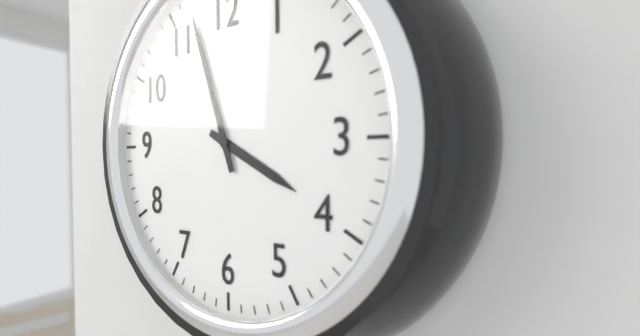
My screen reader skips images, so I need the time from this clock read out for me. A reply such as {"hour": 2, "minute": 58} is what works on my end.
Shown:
{"hour": 3, "minute": 57}
